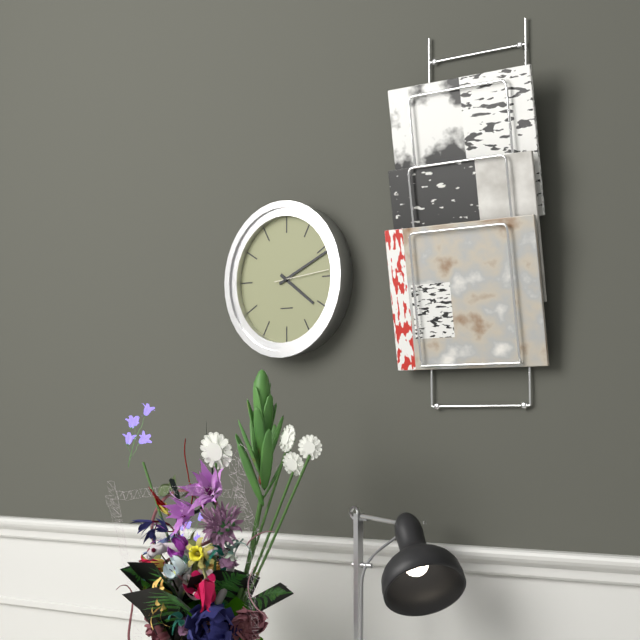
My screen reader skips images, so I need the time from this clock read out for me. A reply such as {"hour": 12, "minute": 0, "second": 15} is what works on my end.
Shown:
{"hour": 4, "minute": 11, "second": 14}
